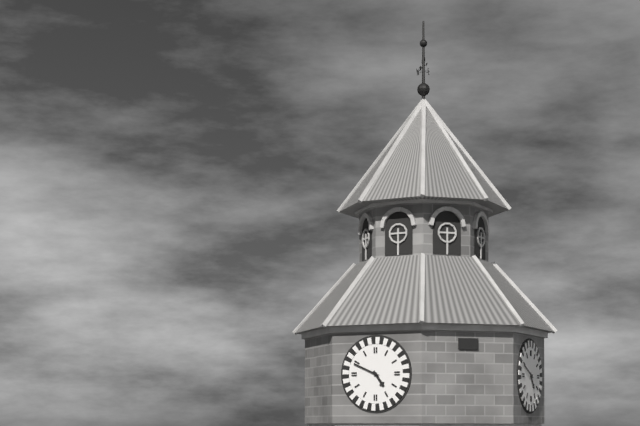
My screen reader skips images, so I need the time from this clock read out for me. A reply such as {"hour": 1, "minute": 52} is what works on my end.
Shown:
{"hour": 4, "minute": 49}
